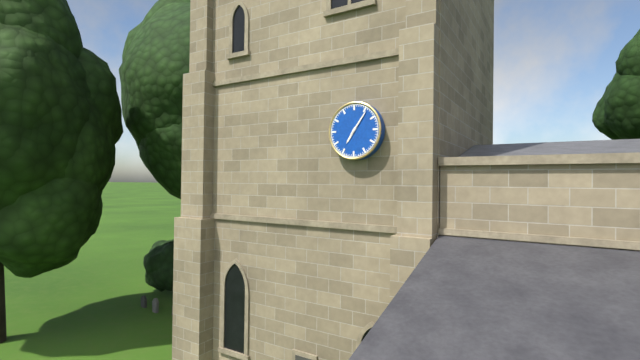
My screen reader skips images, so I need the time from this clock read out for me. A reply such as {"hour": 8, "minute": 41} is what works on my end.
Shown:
{"hour": 7, "minute": 6}
